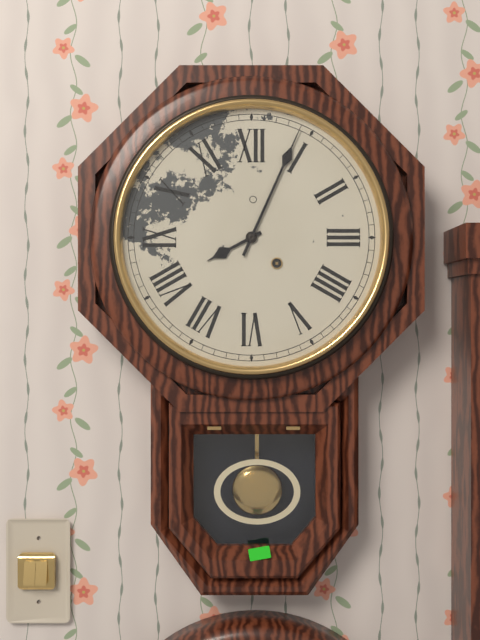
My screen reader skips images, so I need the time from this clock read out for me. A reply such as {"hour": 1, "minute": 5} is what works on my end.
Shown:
{"hour": 8, "minute": 4}
